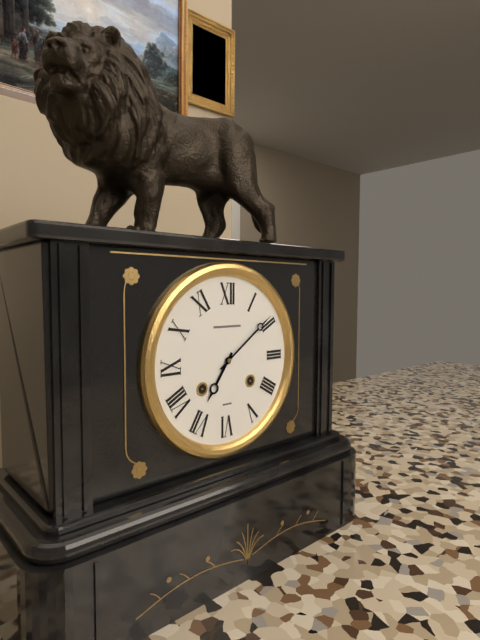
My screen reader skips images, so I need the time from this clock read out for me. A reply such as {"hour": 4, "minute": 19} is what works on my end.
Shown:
{"hour": 7, "minute": 9}
